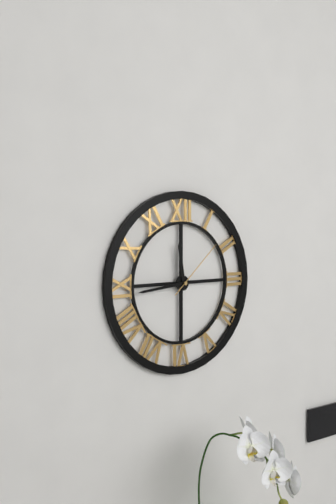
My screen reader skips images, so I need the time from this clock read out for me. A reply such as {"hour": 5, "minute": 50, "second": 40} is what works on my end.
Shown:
{"hour": 11, "minute": 44, "second": 8}
